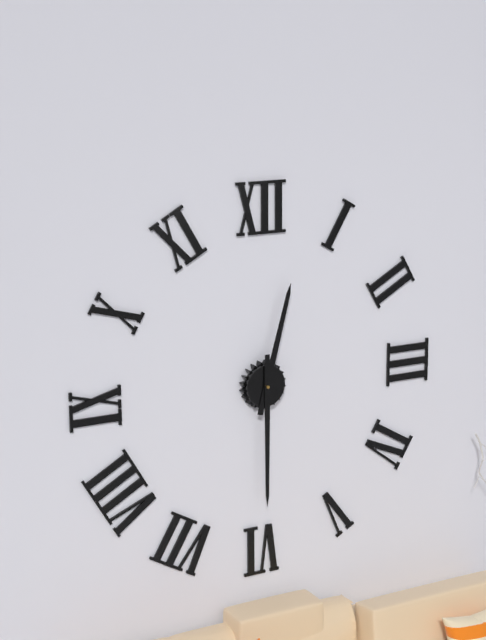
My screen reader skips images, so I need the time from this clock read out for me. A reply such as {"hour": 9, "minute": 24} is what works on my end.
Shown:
{"hour": 12, "minute": 30}
